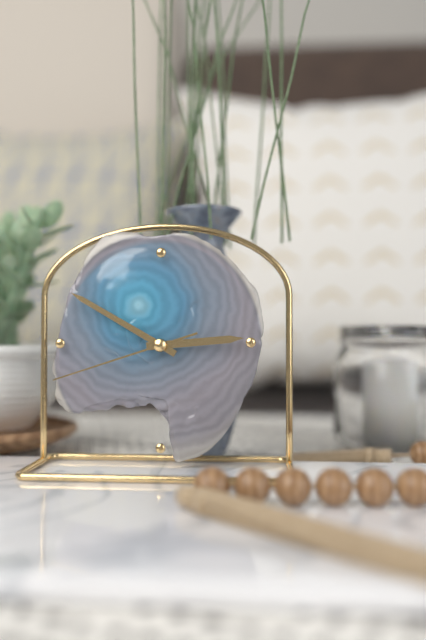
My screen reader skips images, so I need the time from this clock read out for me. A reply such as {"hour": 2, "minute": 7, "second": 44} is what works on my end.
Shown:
{"hour": 2, "minute": 50, "second": 42}
